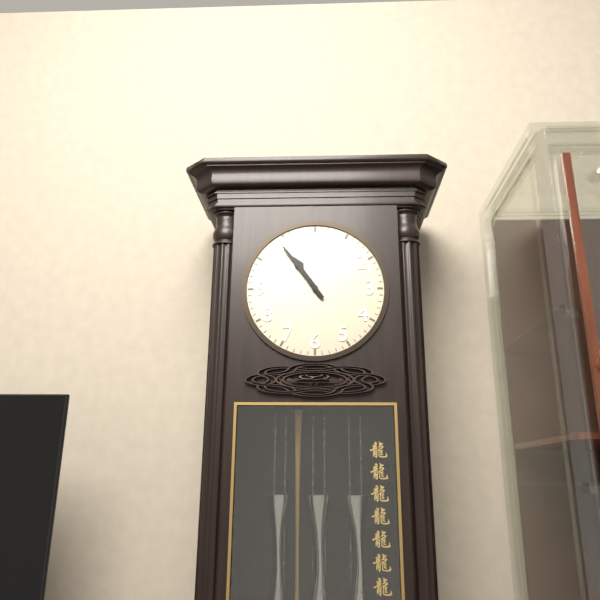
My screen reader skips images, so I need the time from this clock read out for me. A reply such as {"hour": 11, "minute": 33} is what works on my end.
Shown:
{"hour": 10, "minute": 54}
